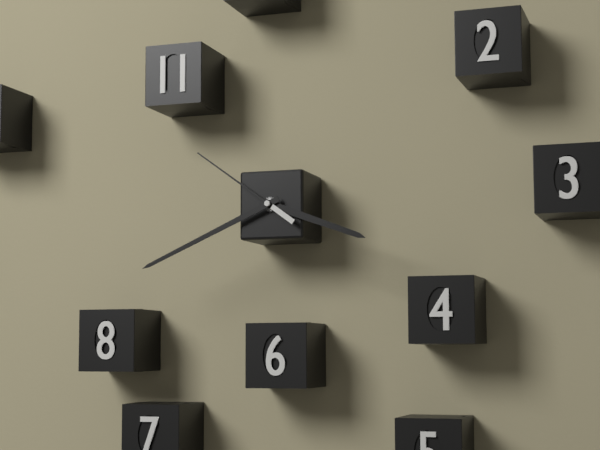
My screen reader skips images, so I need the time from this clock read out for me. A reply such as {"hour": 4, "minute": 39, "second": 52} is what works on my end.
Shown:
{"hour": 3, "minute": 41, "second": 51}
